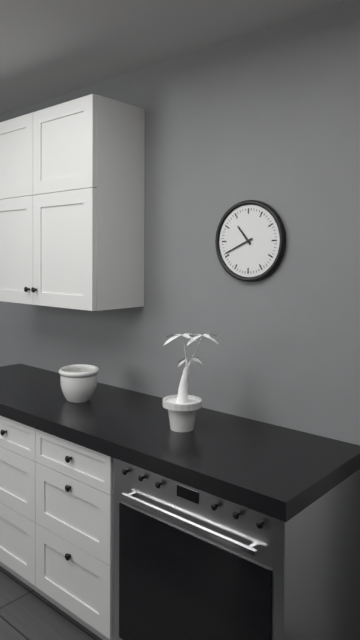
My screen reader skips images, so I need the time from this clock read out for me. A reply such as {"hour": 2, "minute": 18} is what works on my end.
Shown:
{"hour": 10, "minute": 41}
